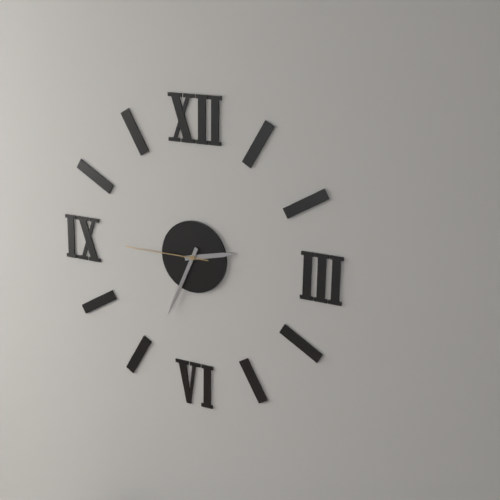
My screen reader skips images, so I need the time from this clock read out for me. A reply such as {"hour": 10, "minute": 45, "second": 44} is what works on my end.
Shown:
{"hour": 2, "minute": 34, "second": 45}
